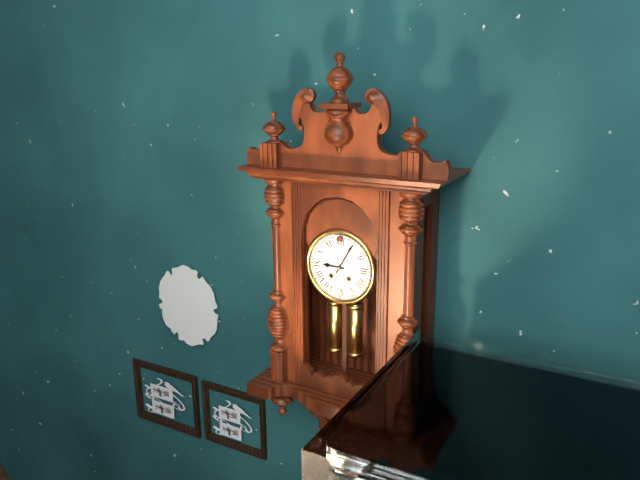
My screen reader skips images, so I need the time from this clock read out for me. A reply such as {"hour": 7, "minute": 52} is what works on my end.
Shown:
{"hour": 9, "minute": 5}
